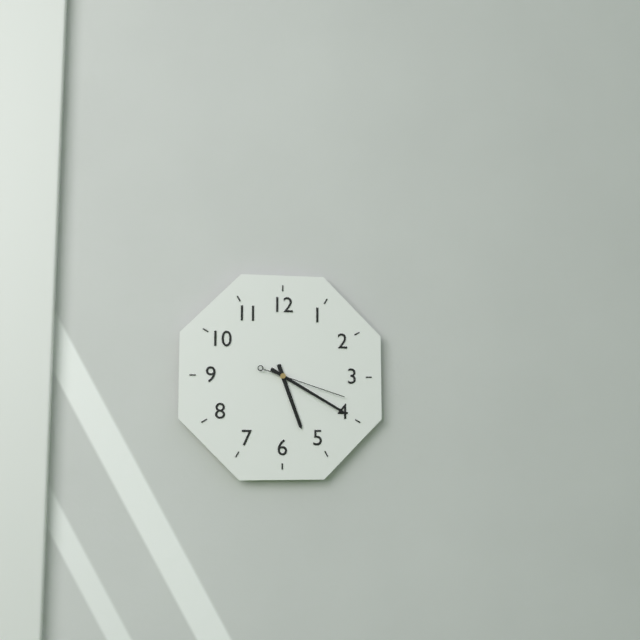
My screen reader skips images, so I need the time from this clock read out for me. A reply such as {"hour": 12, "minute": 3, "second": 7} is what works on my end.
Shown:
{"hour": 5, "minute": 20, "second": 18}
